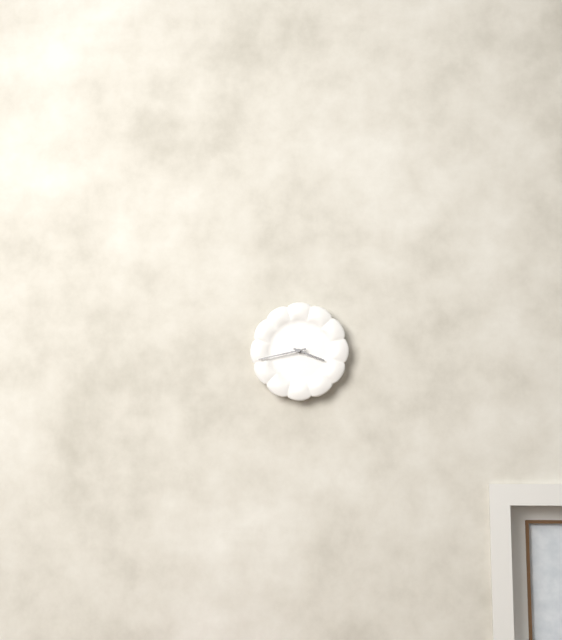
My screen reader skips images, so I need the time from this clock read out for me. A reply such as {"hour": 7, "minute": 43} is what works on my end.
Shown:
{"hour": 3, "minute": 43}
